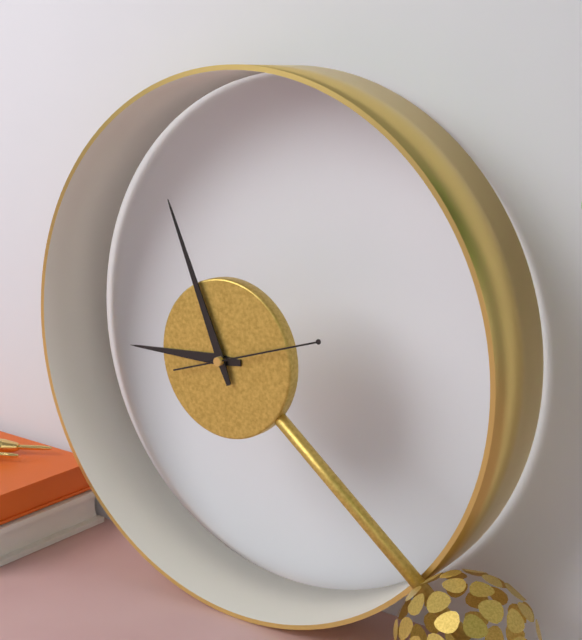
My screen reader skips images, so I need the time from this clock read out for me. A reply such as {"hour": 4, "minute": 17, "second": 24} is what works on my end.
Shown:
{"hour": 8, "minute": 56, "second": 12}
